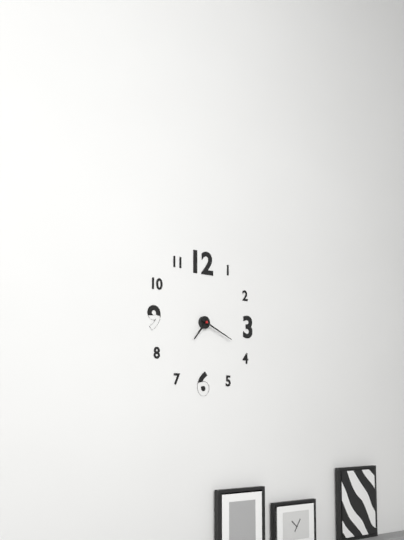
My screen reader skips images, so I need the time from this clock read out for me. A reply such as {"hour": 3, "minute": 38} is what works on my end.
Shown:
{"hour": 7, "minute": 19}
